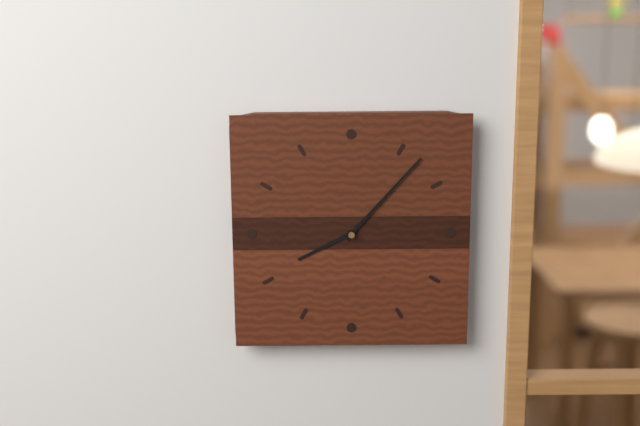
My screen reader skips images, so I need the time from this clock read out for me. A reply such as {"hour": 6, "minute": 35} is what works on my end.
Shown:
{"hour": 8, "minute": 7}
